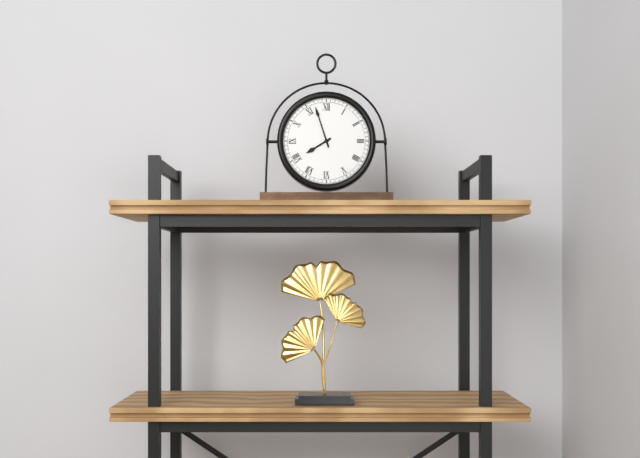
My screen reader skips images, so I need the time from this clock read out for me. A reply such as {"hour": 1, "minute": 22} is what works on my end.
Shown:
{"hour": 7, "minute": 57}
